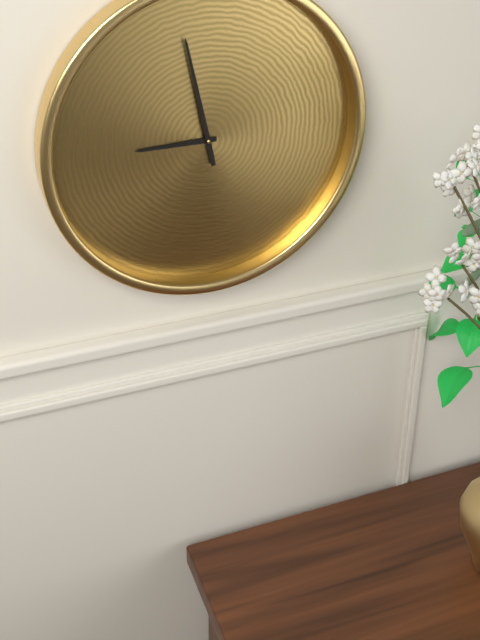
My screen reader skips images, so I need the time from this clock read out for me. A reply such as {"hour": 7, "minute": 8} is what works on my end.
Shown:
{"hour": 8, "minute": 58}
